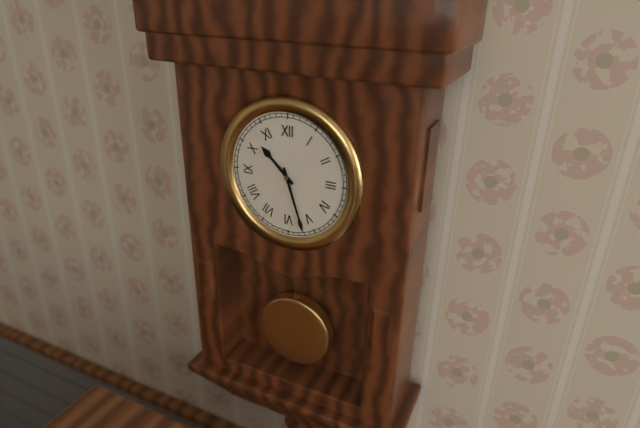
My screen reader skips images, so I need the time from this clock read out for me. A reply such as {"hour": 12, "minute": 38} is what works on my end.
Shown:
{"hour": 10, "minute": 27}
